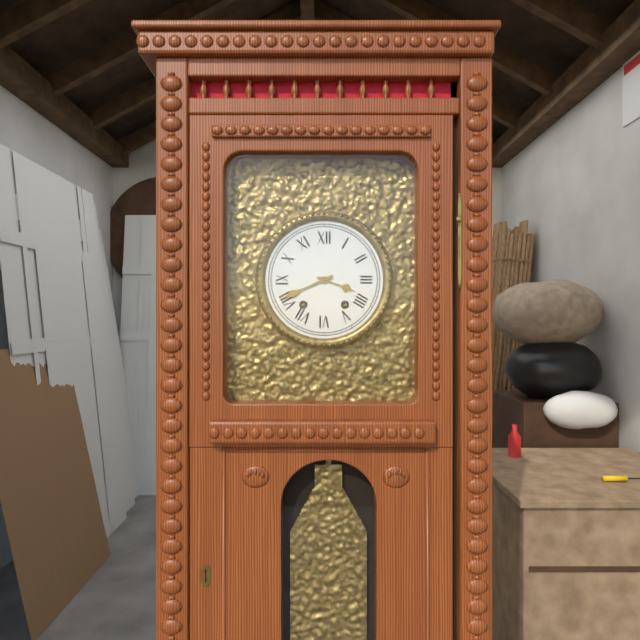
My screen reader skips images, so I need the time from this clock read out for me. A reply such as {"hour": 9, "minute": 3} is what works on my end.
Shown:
{"hour": 3, "minute": 41}
